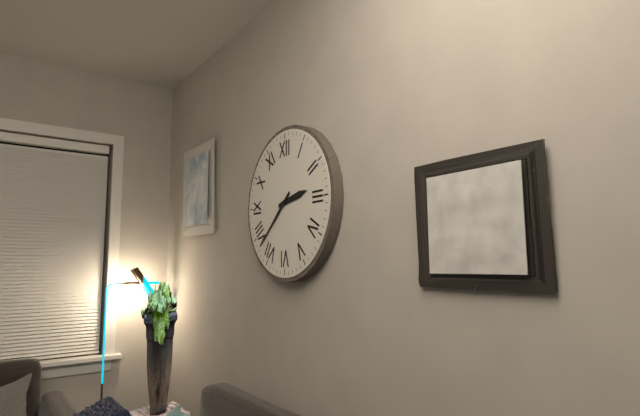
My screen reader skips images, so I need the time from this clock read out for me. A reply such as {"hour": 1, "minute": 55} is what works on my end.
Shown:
{"hour": 2, "minute": 38}
